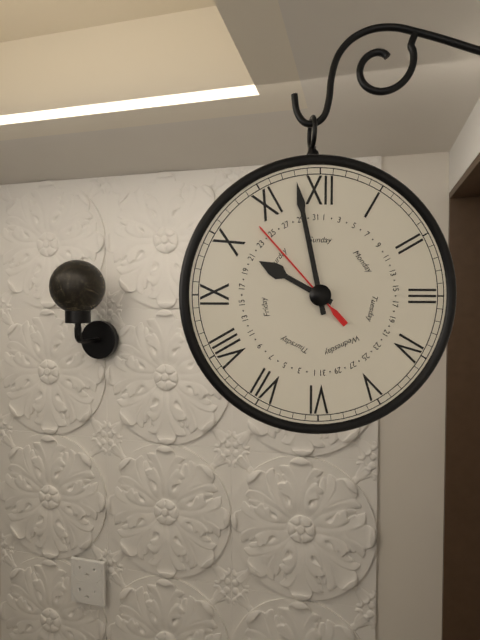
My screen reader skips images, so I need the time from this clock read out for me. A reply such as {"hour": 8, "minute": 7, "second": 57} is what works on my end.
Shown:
{"hour": 9, "minute": 58, "second": 53}
